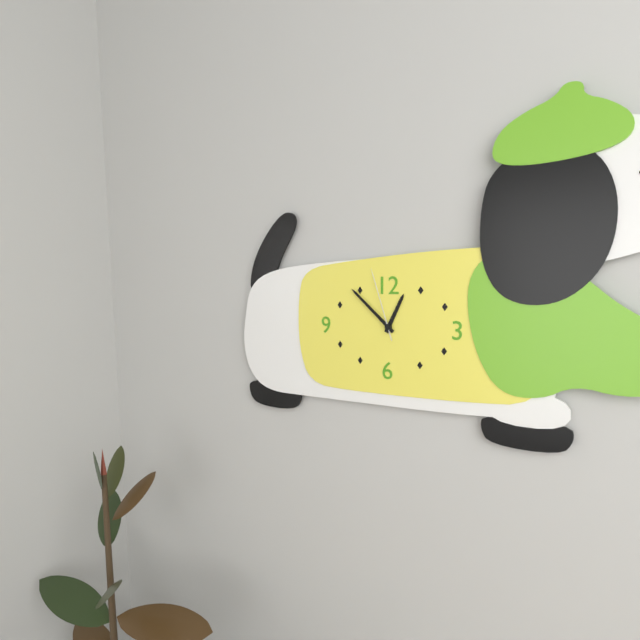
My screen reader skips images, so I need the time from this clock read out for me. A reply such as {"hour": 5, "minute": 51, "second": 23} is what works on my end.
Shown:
{"hour": 12, "minute": 52, "second": 57}
